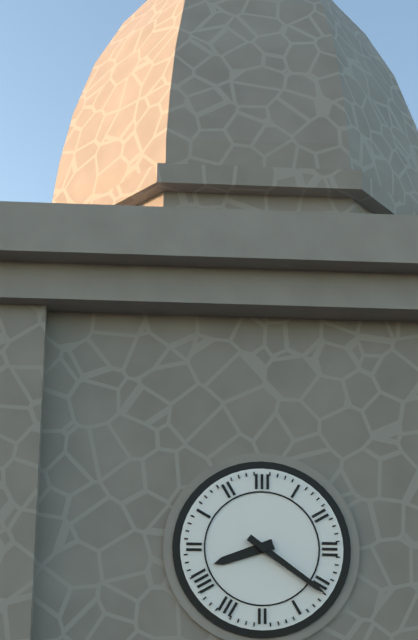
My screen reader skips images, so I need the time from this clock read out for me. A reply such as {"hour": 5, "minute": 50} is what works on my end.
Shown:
{"hour": 8, "minute": 21}
